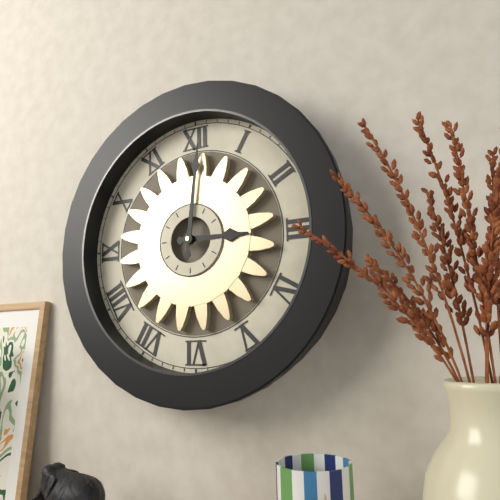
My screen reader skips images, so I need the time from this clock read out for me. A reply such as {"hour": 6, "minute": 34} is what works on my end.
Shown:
{"hour": 3, "minute": 1}
